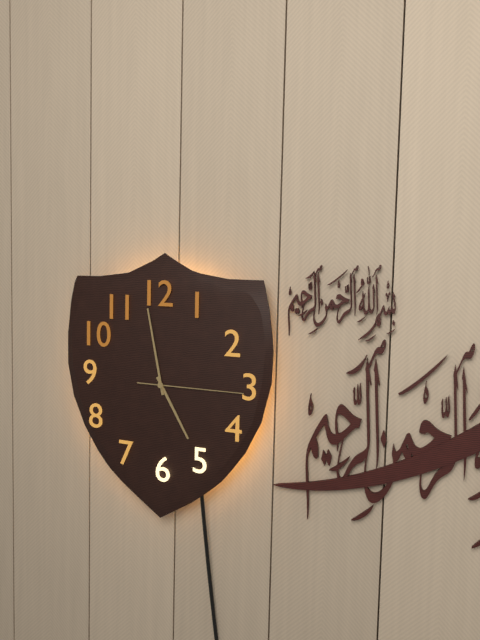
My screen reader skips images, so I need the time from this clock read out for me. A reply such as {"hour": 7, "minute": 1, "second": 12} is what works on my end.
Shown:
{"hour": 4, "minute": 58, "second": 15}
